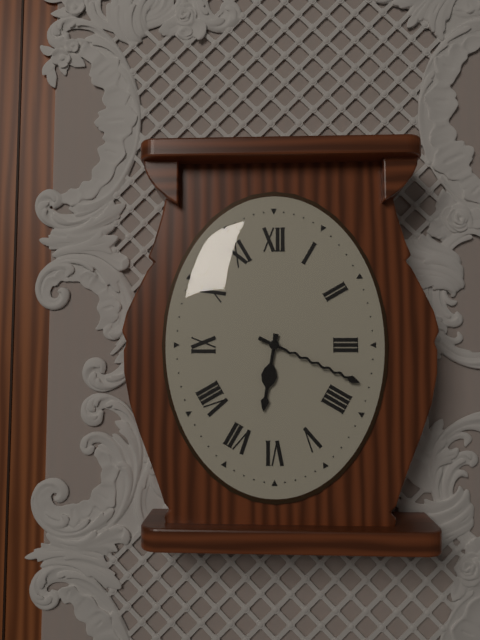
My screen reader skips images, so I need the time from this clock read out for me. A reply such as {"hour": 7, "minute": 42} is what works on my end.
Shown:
{"hour": 6, "minute": 19}
